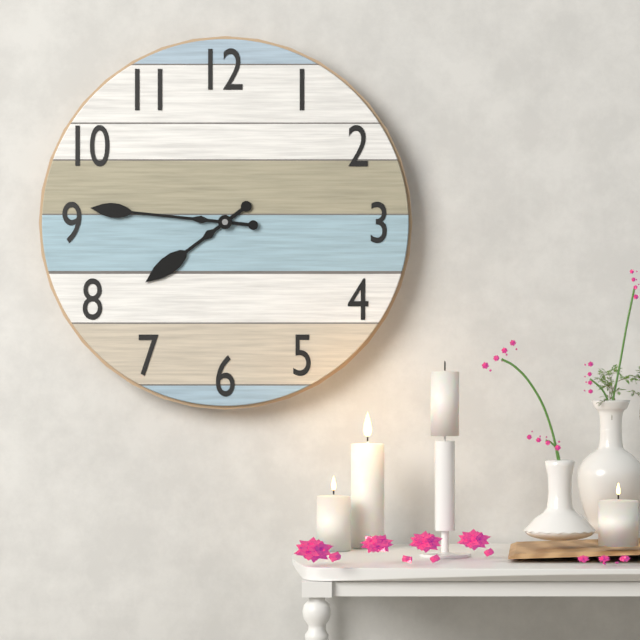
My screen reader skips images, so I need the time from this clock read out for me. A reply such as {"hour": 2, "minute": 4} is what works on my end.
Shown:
{"hour": 7, "minute": 46}
